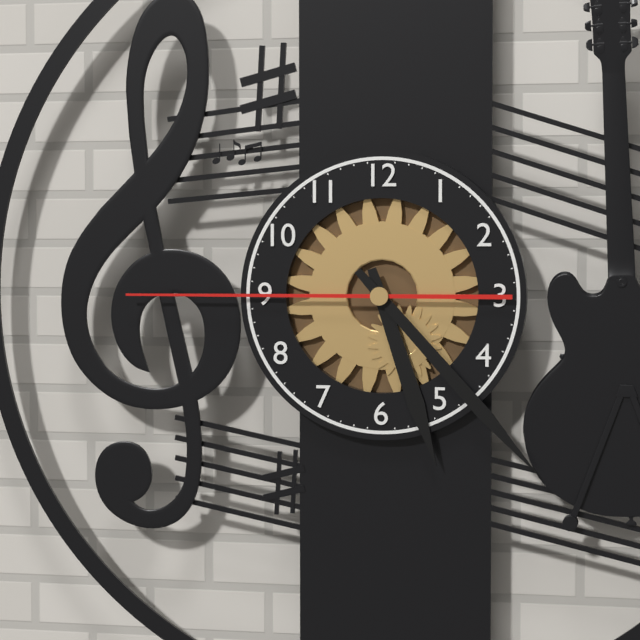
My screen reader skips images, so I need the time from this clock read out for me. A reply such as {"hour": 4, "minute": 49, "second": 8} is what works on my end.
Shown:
{"hour": 5, "minute": 23, "second": 45}
